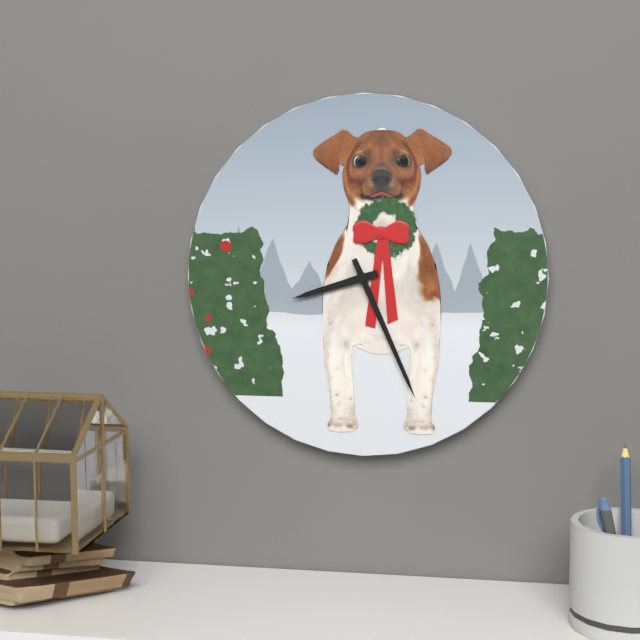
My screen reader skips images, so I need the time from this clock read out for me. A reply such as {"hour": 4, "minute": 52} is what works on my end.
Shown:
{"hour": 8, "minute": 26}
